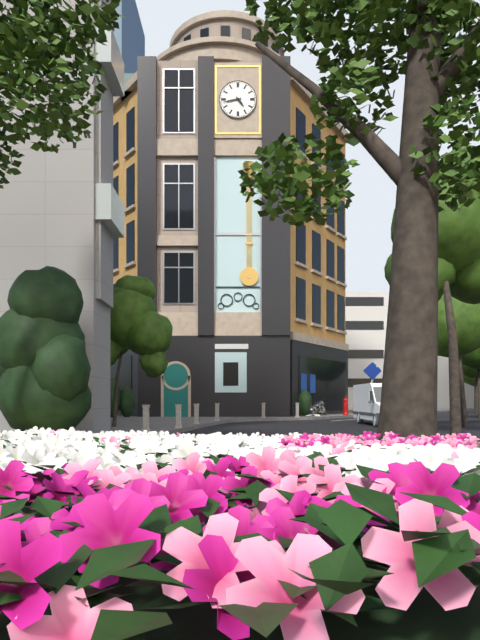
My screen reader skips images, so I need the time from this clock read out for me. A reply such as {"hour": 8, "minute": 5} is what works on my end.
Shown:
{"hour": 4, "minute": 43}
